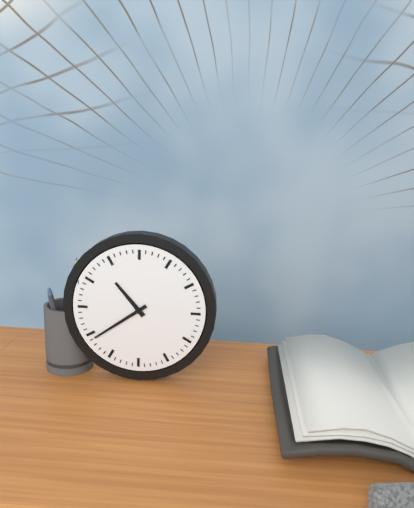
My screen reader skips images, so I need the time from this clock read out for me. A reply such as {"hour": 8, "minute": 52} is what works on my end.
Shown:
{"hour": 10, "minute": 39}
